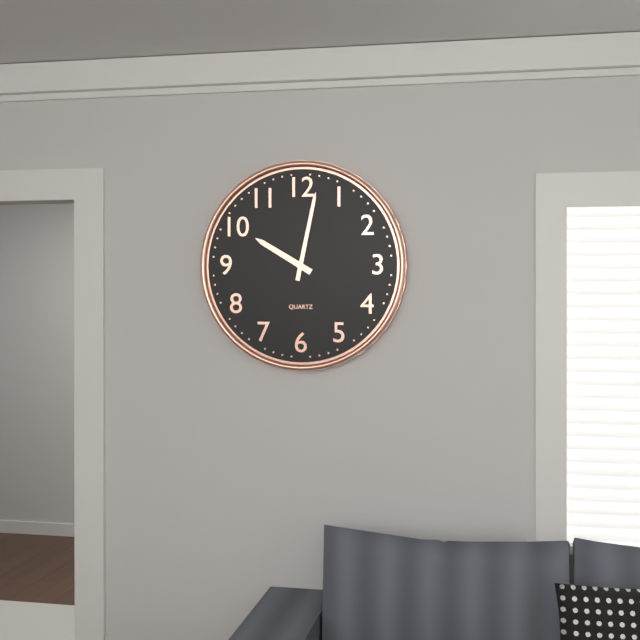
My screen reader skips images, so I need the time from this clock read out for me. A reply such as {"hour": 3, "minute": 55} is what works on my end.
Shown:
{"hour": 10, "minute": 2}
